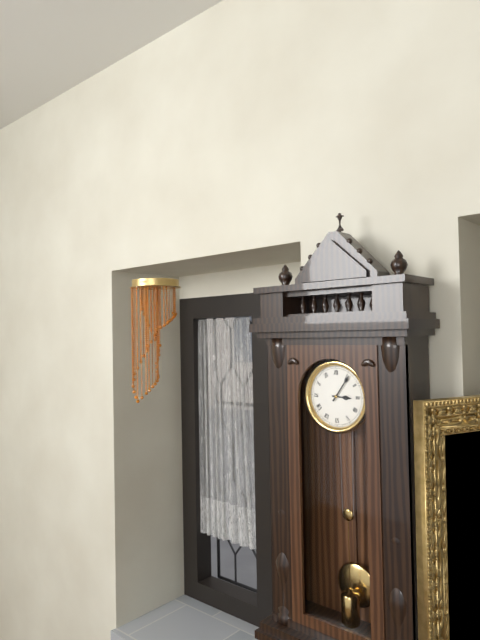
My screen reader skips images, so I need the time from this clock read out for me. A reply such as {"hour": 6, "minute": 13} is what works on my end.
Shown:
{"hour": 3, "minute": 6}
